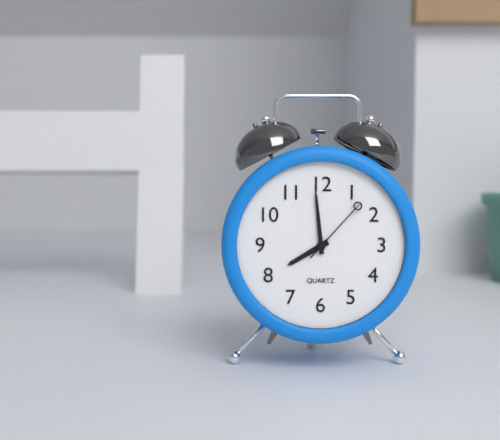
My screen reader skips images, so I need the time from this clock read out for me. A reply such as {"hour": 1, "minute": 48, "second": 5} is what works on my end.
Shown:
{"hour": 7, "minute": 59, "second": 7}
